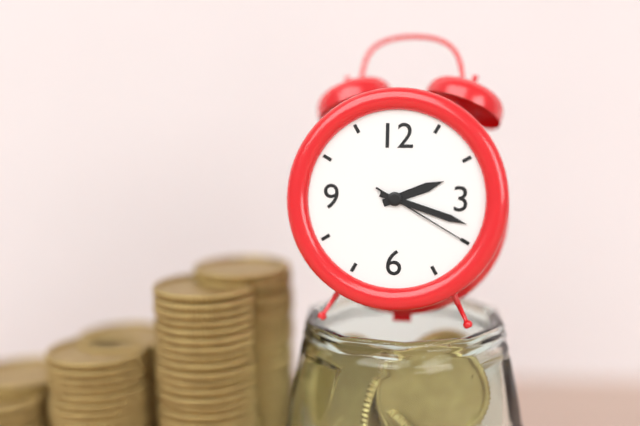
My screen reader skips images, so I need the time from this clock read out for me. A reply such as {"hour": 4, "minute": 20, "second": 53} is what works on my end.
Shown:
{"hour": 2, "minute": 18, "second": 20}
